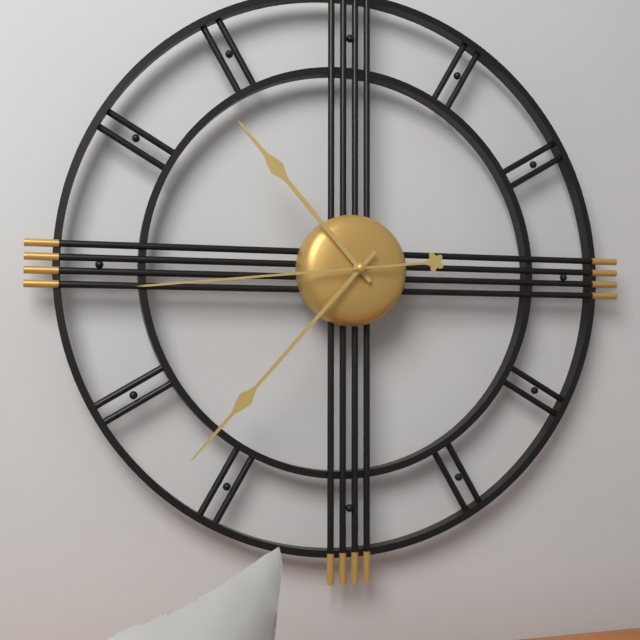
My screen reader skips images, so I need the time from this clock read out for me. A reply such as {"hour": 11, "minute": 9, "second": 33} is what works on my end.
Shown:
{"hour": 10, "minute": 37, "second": 44}
